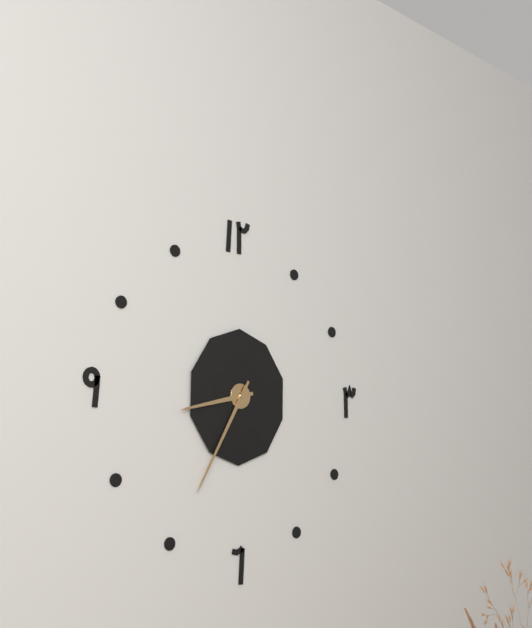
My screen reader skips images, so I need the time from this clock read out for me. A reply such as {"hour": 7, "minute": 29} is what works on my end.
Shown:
{"hour": 8, "minute": 35}
